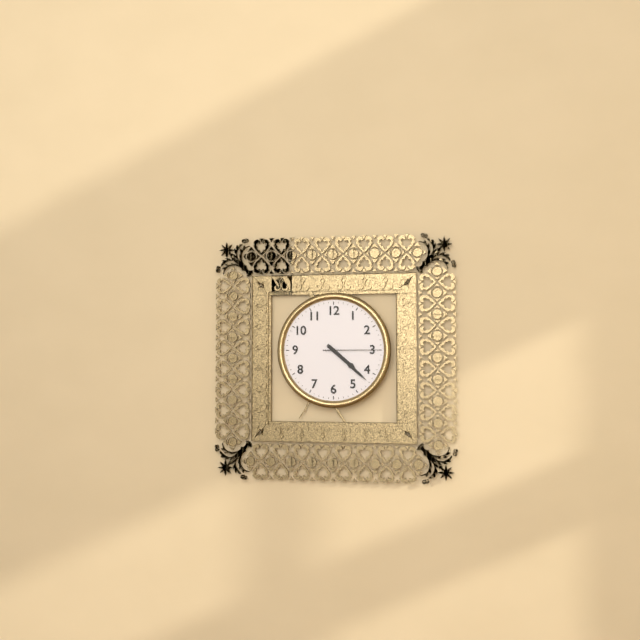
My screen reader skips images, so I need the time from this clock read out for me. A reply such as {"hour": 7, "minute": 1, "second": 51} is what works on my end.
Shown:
{"hour": 4, "minute": 22, "second": 15}
